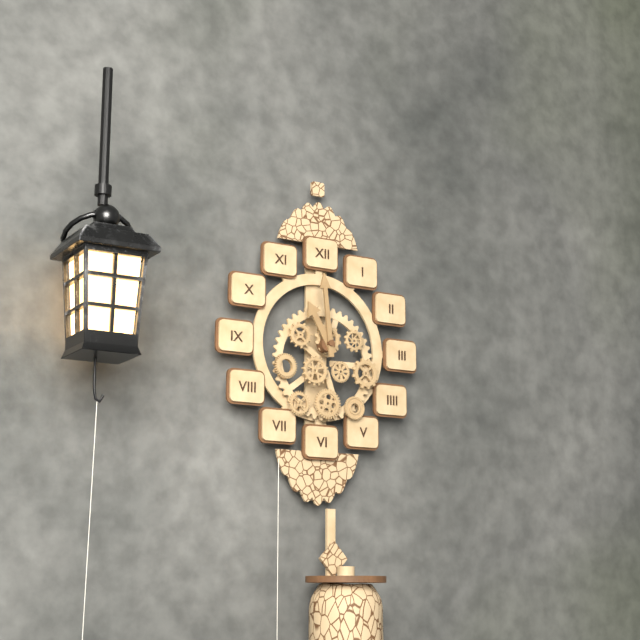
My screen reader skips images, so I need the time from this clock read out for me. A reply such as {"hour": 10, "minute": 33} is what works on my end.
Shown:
{"hour": 10, "minute": 59}
